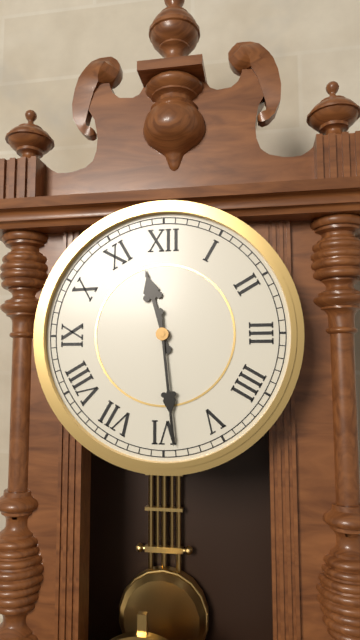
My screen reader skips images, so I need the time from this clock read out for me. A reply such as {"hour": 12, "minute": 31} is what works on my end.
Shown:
{"hour": 11, "minute": 29}
